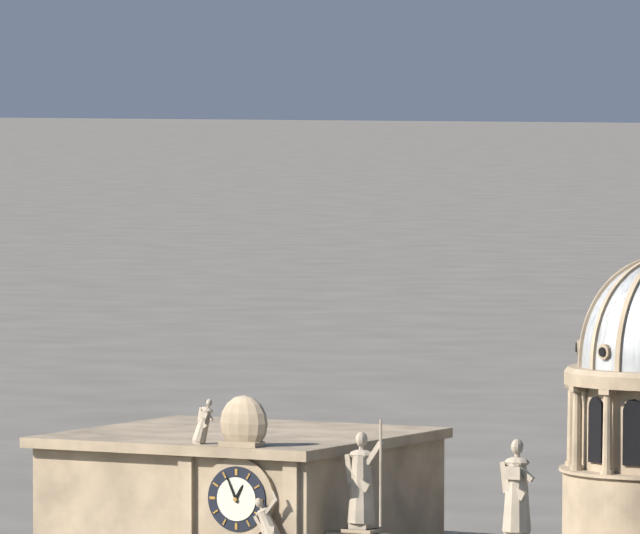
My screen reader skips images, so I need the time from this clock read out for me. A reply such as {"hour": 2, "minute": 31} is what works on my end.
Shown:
{"hour": 12, "minute": 56}
